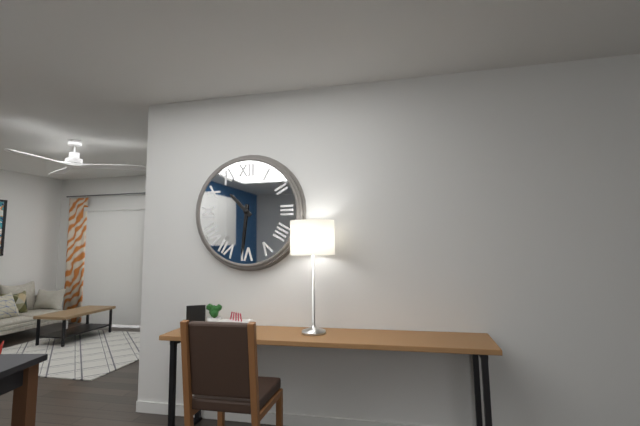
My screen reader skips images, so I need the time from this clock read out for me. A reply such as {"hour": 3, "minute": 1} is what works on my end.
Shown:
{"hour": 10, "minute": 31}
